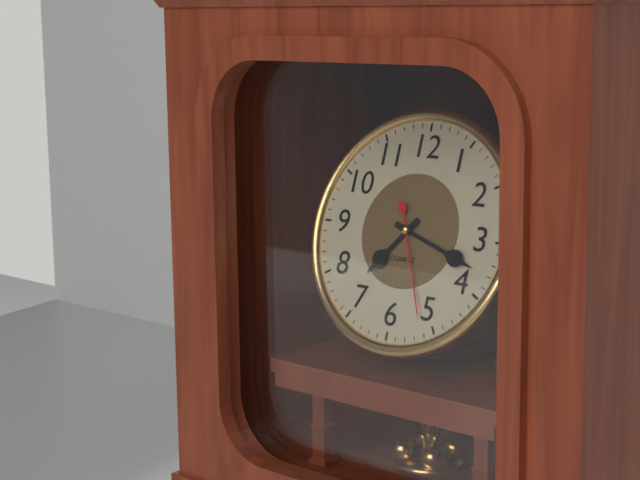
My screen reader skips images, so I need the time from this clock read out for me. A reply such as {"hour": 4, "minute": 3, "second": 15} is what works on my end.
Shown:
{"hour": 7, "minute": 18, "second": 26}
